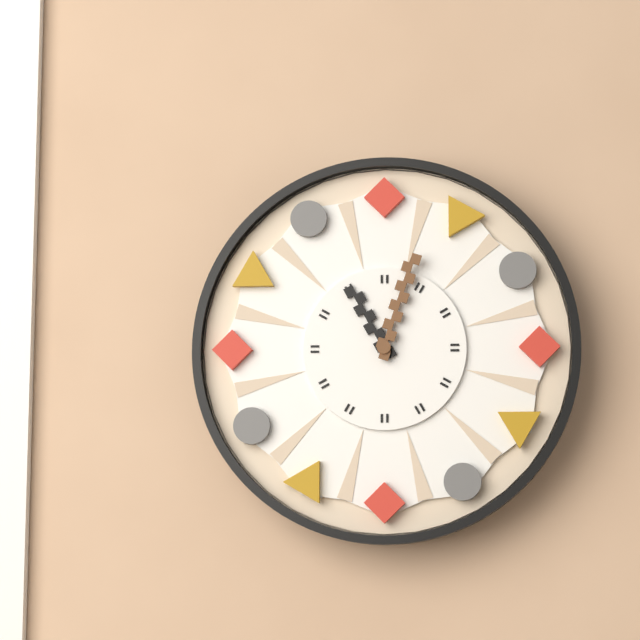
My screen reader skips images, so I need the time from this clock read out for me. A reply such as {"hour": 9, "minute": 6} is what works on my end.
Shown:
{"hour": 11, "minute": 3}
